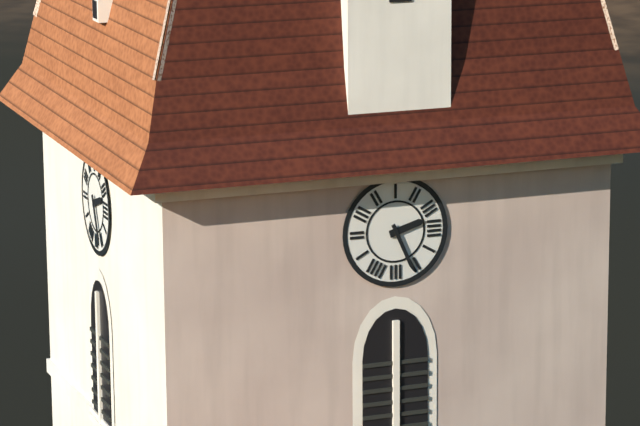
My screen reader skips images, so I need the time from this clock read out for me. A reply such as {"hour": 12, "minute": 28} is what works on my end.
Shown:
{"hour": 2, "minute": 26}
